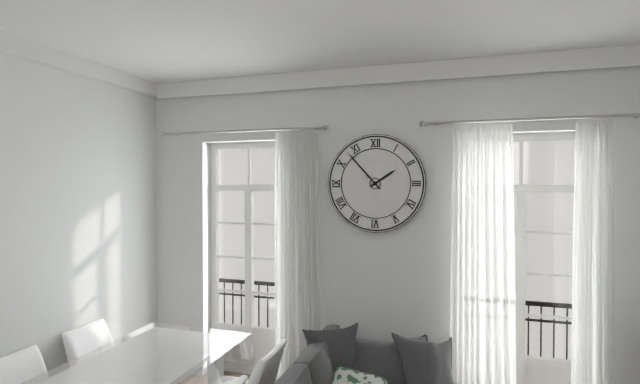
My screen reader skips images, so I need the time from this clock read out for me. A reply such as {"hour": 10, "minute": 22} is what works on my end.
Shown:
{"hour": 1, "minute": 53}
